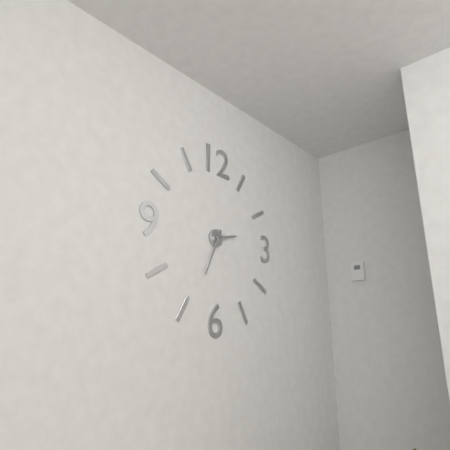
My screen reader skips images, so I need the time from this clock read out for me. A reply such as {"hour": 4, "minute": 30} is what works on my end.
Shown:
{"hour": 2, "minute": 34}
